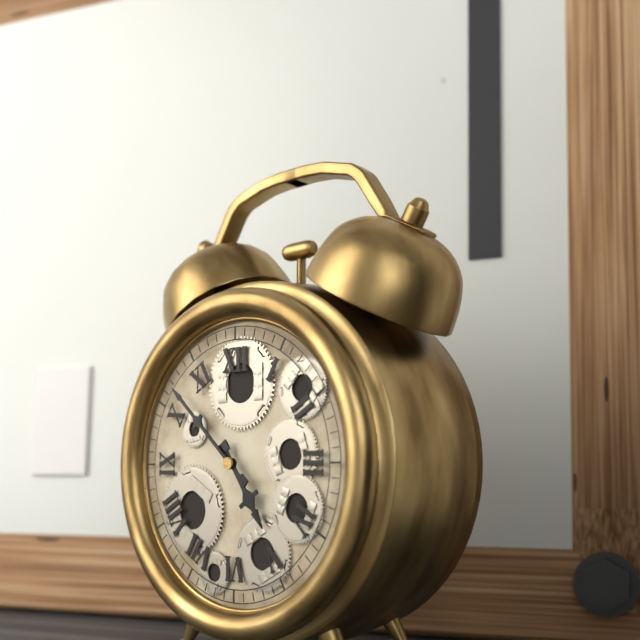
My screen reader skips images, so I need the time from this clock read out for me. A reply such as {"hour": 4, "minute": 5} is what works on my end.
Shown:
{"hour": 4, "minute": 52}
